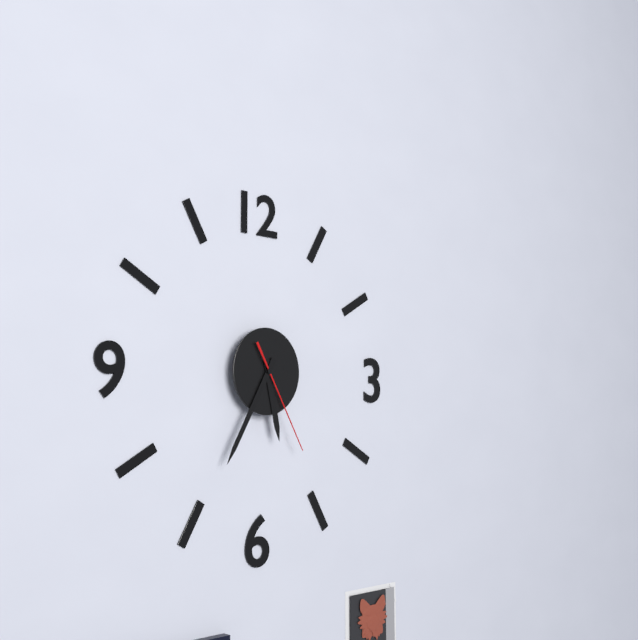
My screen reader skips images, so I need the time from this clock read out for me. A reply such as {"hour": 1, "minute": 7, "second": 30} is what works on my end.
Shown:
{"hour": 5, "minute": 35, "second": 25}
